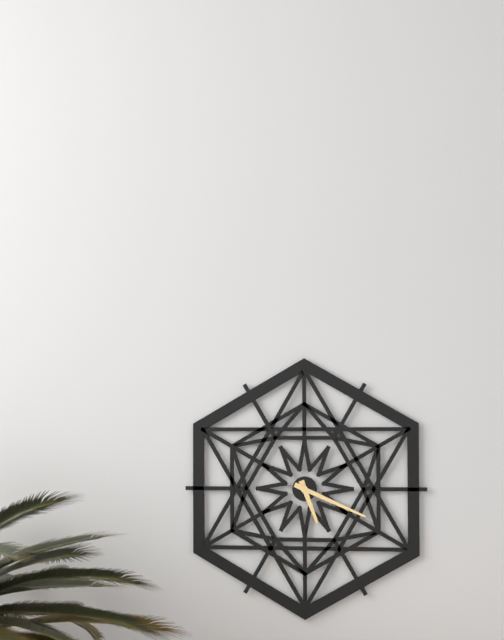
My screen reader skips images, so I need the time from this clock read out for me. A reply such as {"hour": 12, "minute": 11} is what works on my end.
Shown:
{"hour": 5, "minute": 19}
